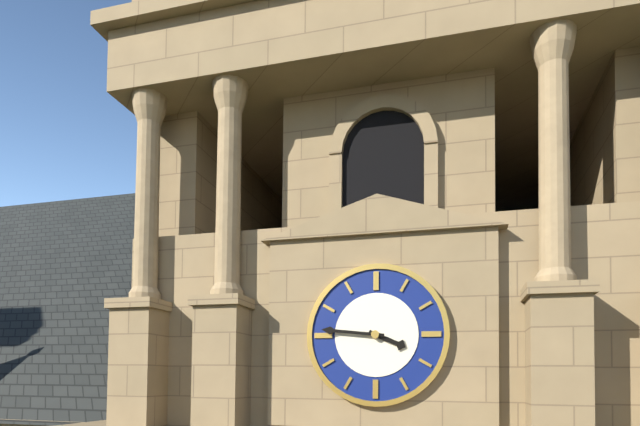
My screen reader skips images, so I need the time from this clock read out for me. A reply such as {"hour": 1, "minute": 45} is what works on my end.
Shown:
{"hour": 3, "minute": 46}
